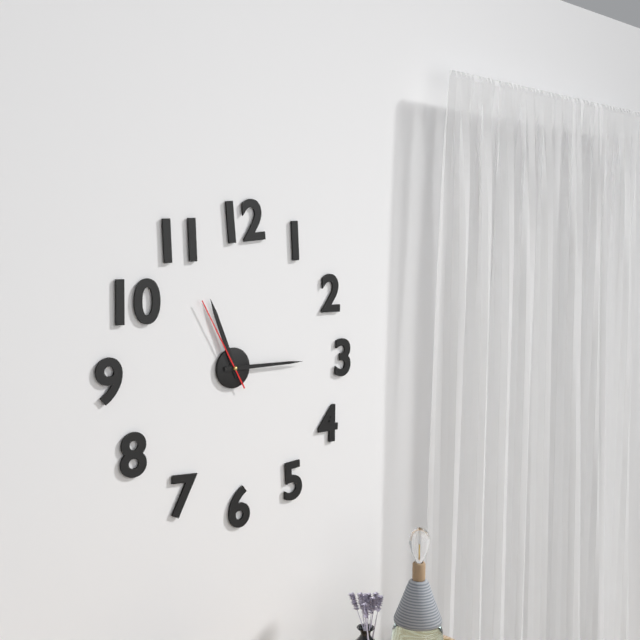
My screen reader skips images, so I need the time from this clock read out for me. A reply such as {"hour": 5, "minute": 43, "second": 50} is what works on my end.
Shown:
{"hour": 11, "minute": 15, "second": 55}
